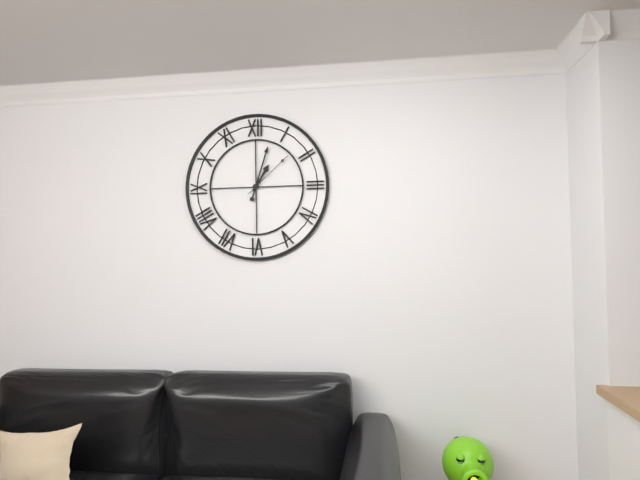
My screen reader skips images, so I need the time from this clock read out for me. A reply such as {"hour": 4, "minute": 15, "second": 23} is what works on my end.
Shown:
{"hour": 1, "minute": 3, "second": 8}
